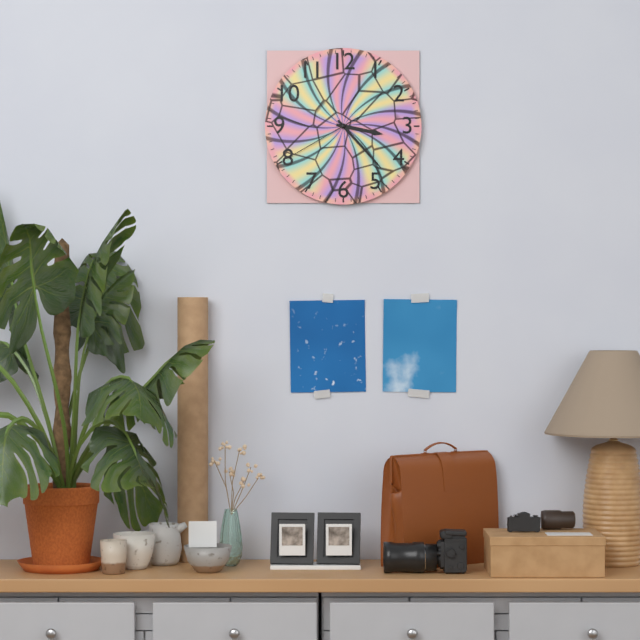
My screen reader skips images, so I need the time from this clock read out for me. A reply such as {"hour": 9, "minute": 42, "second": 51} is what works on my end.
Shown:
{"hour": 3, "minute": 23, "second": 40}
